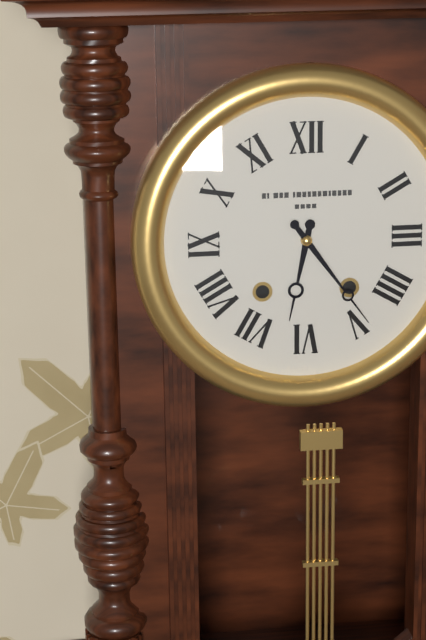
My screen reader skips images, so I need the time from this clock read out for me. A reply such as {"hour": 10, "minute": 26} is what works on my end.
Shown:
{"hour": 6, "minute": 24}
